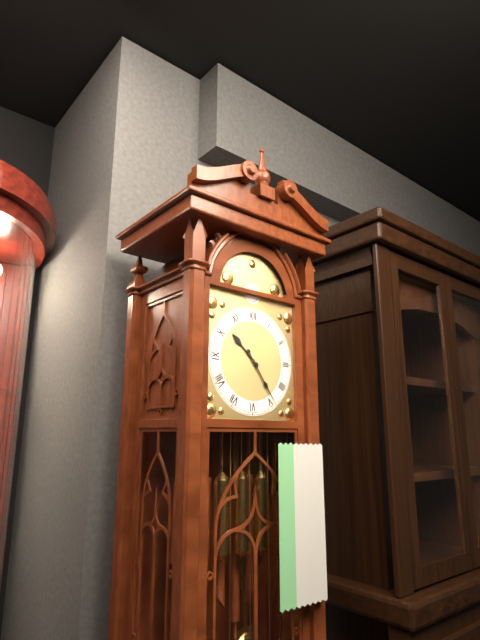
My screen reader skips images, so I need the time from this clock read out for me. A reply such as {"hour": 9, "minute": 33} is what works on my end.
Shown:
{"hour": 10, "minute": 24}
